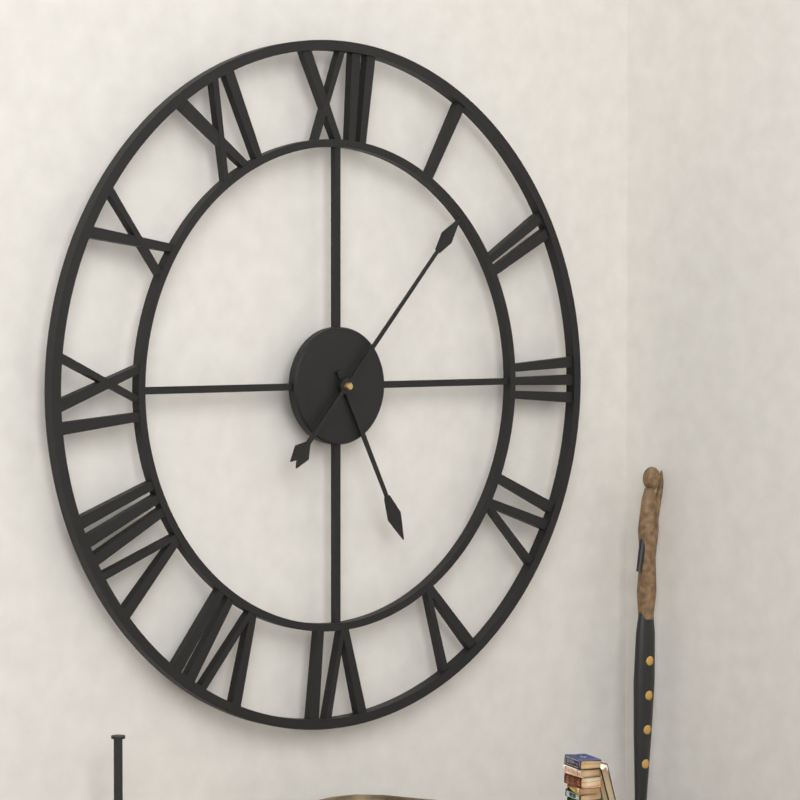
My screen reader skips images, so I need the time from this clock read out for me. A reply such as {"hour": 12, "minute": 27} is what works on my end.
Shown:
{"hour": 5, "minute": 7}
